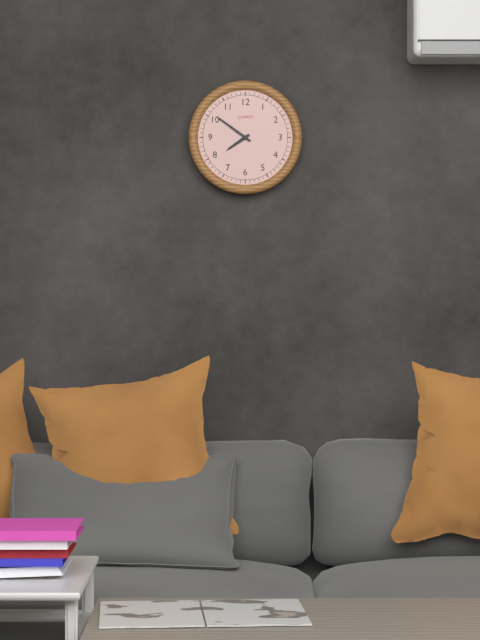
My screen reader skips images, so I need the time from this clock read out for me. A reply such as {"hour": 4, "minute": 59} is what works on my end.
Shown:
{"hour": 7, "minute": 51}
